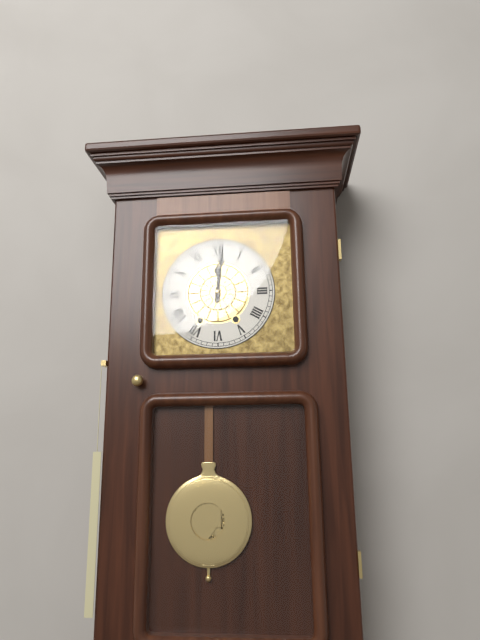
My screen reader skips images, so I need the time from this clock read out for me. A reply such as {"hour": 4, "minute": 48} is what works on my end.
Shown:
{"hour": 12, "minute": 1}
